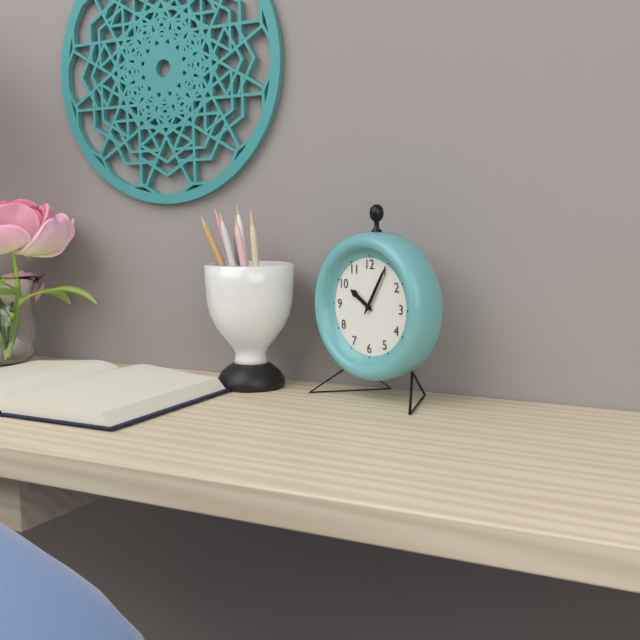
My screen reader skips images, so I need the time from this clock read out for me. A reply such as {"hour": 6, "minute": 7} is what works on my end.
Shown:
{"hour": 10, "minute": 5}
